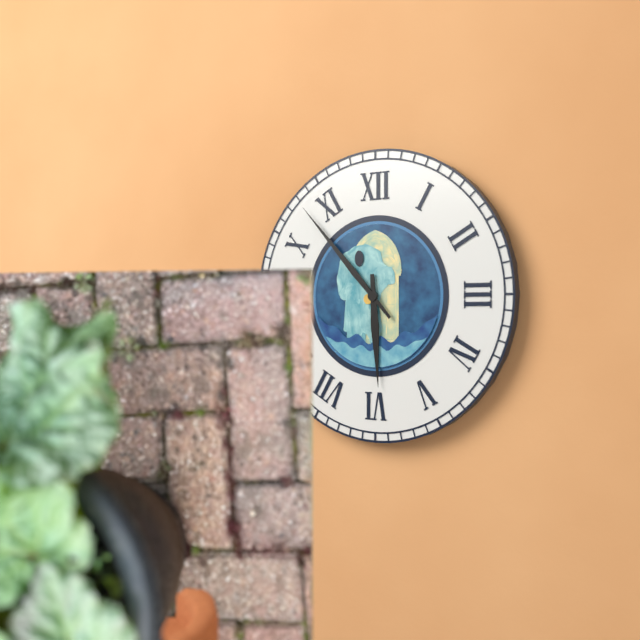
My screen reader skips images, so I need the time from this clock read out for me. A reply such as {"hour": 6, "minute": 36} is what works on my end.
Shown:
{"hour": 5, "minute": 53}
